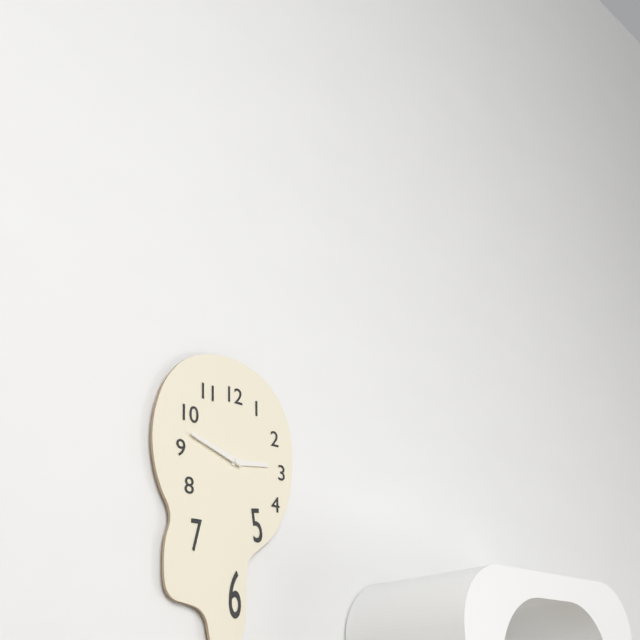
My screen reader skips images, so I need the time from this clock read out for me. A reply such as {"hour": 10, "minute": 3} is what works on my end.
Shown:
{"hour": 2, "minute": 48}
